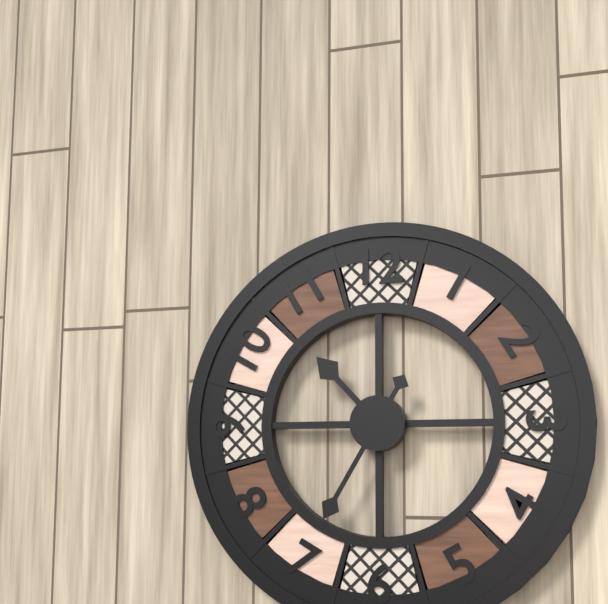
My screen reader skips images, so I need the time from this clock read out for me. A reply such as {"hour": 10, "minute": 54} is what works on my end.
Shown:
{"hour": 10, "minute": 35}
